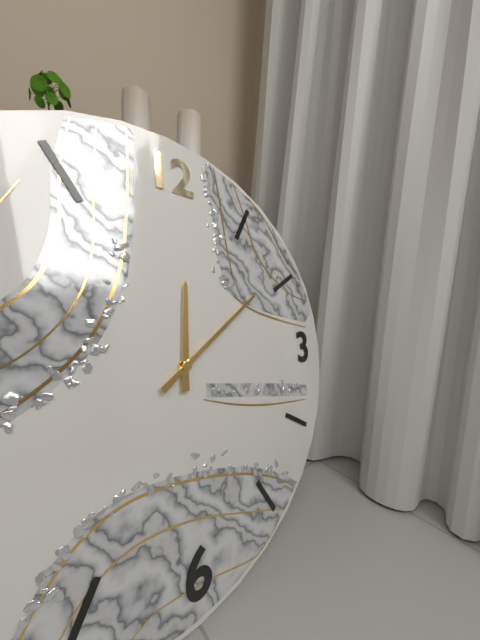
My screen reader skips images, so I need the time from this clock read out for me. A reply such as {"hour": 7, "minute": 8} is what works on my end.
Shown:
{"hour": 12, "minute": 9}
